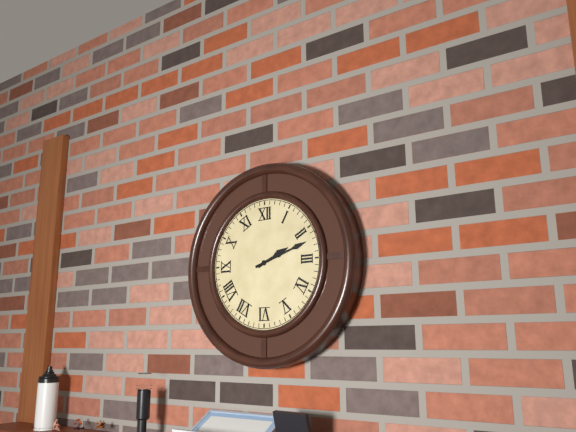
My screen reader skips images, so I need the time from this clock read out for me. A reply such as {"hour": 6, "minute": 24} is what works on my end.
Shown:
{"hour": 2, "minute": 12}
